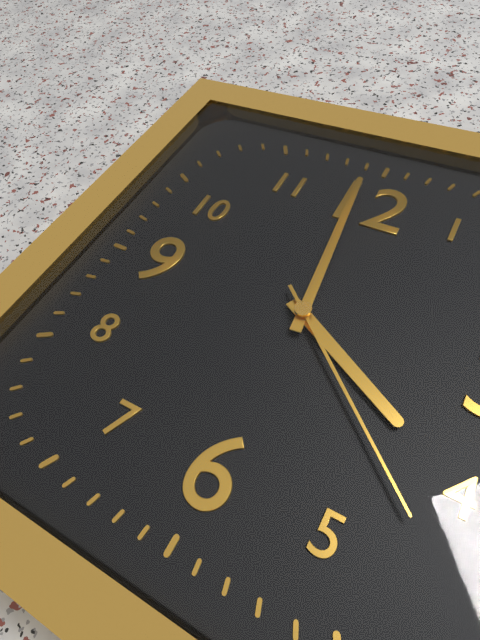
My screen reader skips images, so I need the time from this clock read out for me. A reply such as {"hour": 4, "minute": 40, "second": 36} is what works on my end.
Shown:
{"hour": 3, "minute": 59, "second": 22}
